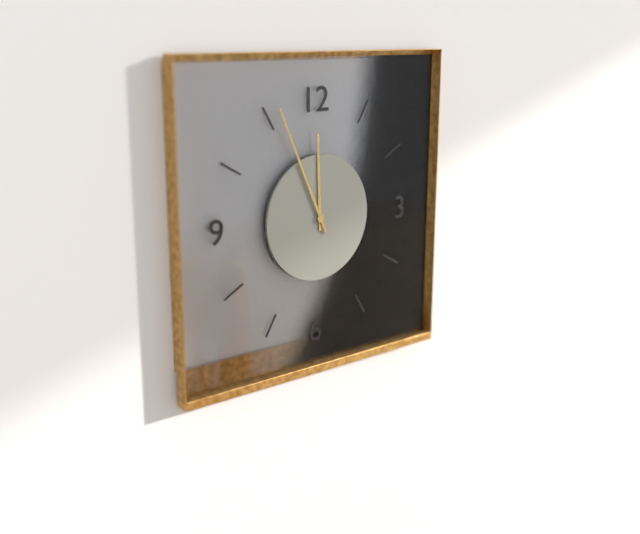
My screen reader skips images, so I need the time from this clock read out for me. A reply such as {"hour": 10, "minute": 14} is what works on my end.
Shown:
{"hour": 11, "minute": 56}
